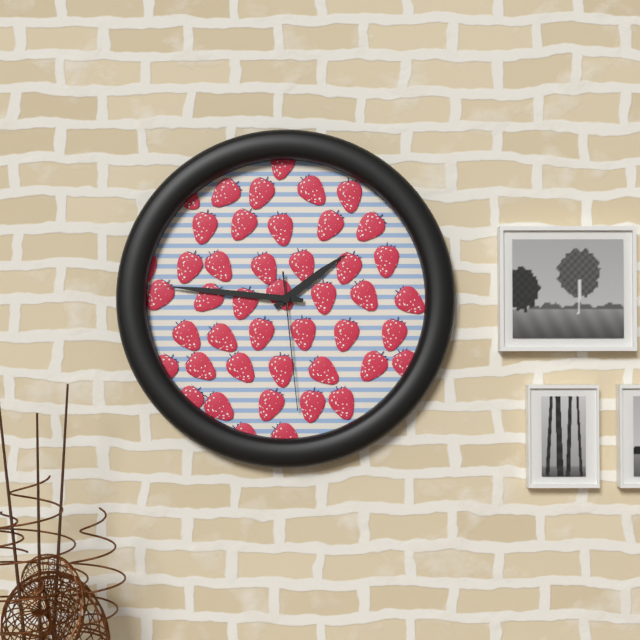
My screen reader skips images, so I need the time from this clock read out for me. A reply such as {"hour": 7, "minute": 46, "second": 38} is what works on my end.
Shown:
{"hour": 1, "minute": 46, "second": 29}
